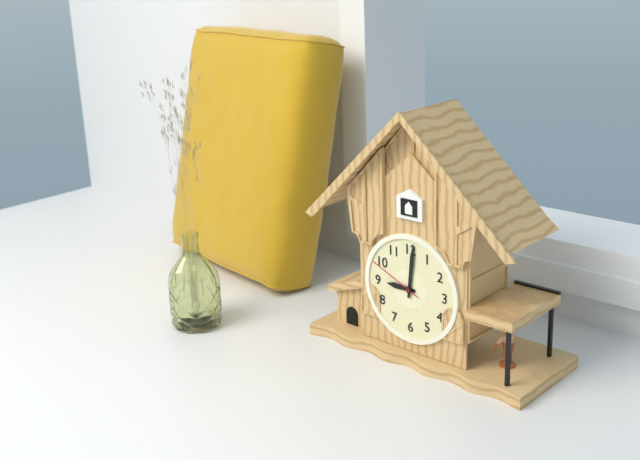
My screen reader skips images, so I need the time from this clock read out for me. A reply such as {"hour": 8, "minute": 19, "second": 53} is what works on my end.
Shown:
{"hour": 9, "minute": 1, "second": 49}
